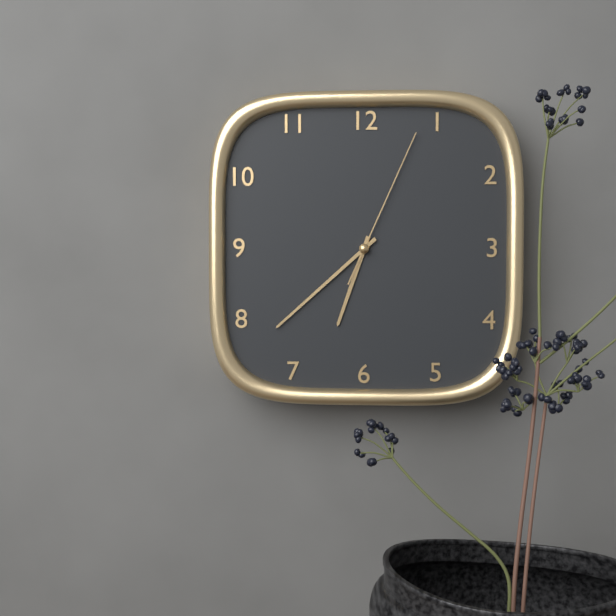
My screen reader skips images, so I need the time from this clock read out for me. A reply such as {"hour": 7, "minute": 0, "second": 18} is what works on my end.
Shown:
{"hour": 6, "minute": 38, "second": 4}
